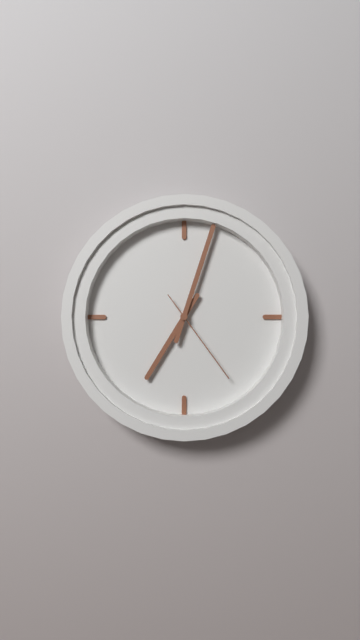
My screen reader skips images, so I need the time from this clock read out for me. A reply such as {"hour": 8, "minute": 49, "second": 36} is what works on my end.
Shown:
{"hour": 7, "minute": 3, "second": 24}
